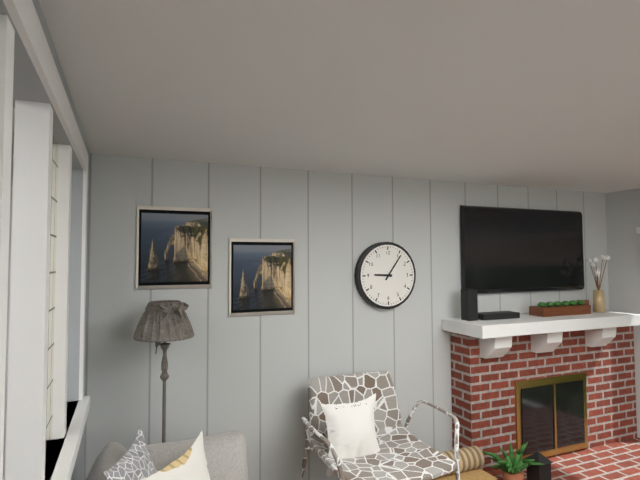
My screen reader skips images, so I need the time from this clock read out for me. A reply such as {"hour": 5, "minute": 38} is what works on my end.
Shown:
{"hour": 9, "minute": 6}
